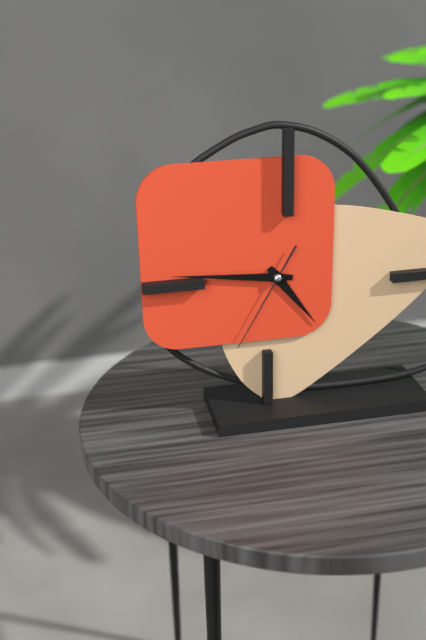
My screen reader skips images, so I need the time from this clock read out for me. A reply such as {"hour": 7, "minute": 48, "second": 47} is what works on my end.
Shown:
{"hour": 4, "minute": 46, "second": 35}
